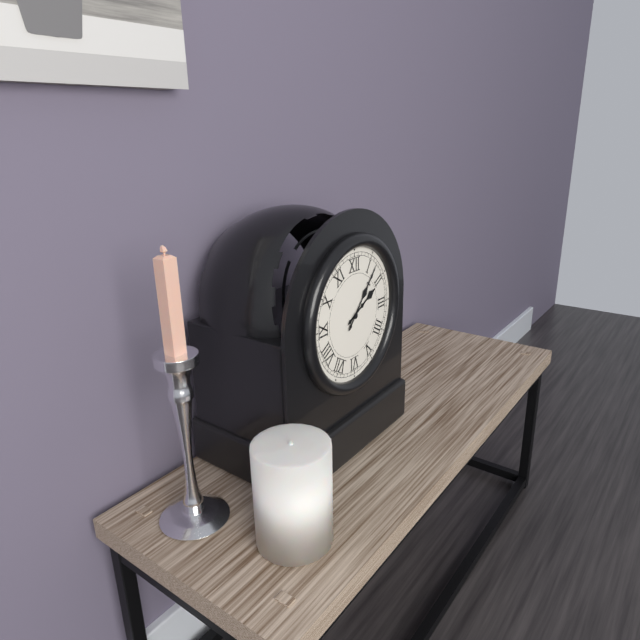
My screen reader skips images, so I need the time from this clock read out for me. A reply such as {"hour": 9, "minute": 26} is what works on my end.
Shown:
{"hour": 2, "minute": 7}
